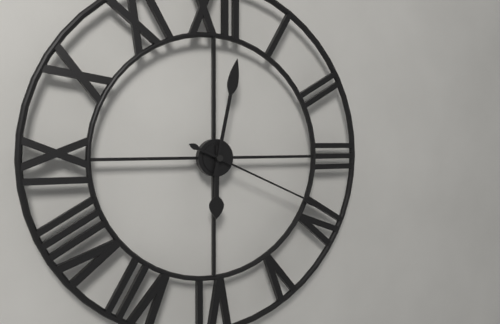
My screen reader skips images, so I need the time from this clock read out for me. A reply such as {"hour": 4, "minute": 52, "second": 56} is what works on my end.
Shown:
{"hour": 6, "minute": 2, "second": 19}
